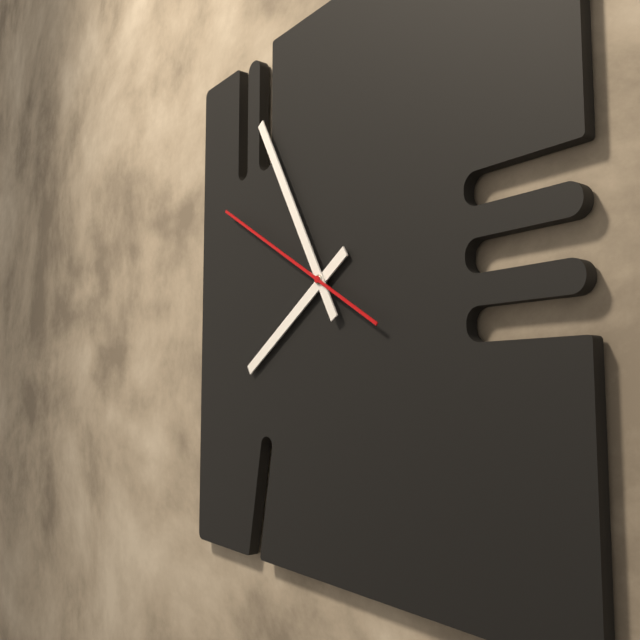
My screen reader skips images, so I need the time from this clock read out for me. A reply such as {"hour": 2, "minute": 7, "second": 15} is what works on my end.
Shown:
{"hour": 7, "minute": 55, "second": 50}
